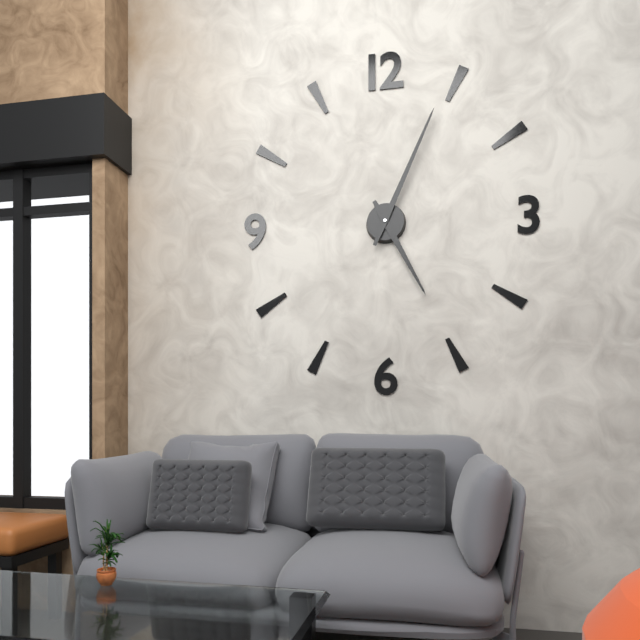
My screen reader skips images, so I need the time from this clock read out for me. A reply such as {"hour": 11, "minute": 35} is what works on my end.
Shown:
{"hour": 5, "minute": 4}
